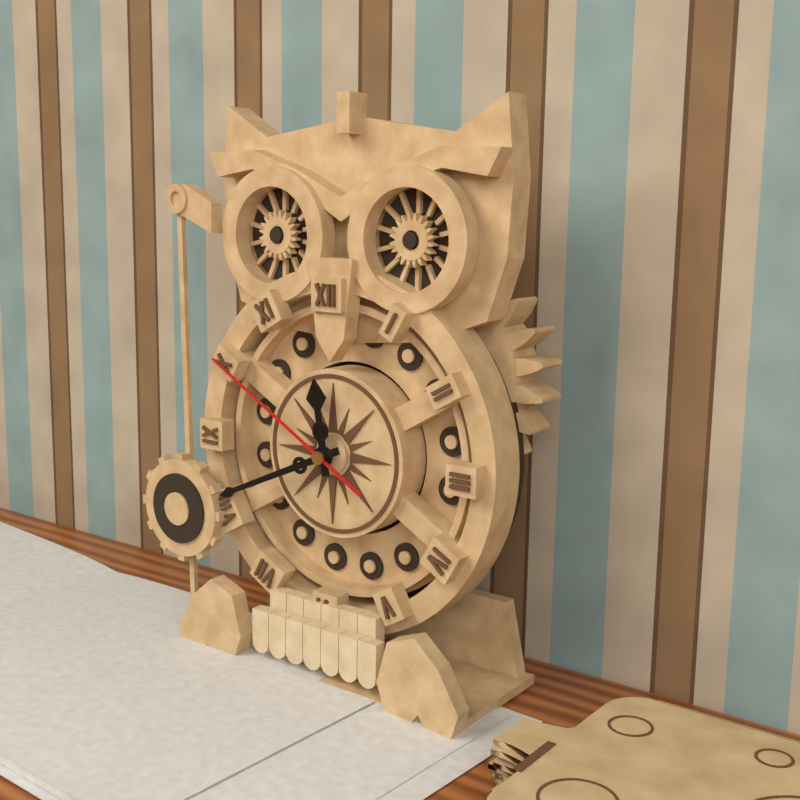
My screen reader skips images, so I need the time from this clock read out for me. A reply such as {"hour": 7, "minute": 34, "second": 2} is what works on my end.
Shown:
{"hour": 11, "minute": 41, "second": 50}
